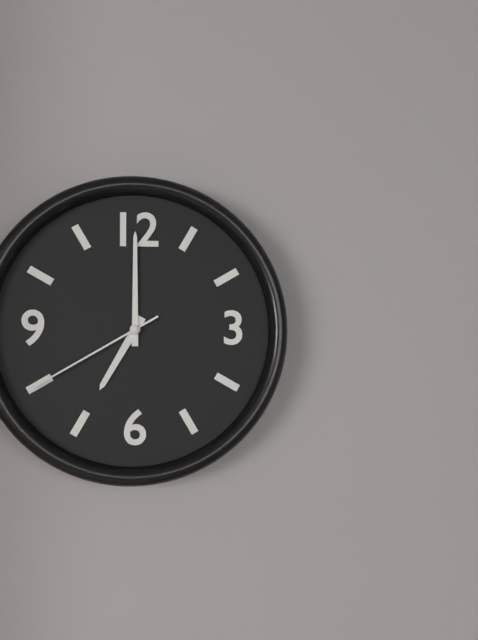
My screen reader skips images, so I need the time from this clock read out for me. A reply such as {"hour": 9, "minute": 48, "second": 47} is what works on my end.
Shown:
{"hour": 7, "minute": 0, "second": 40}
